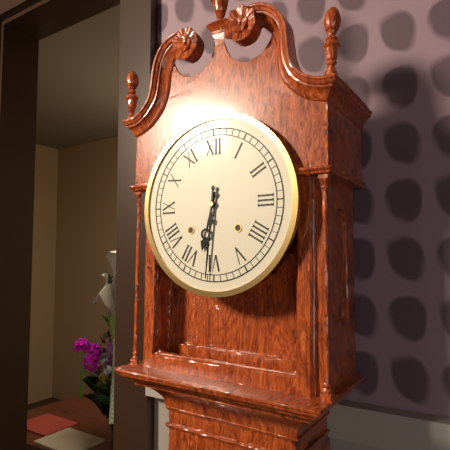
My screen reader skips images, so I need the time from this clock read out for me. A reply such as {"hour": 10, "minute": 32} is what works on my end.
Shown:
{"hour": 6, "minute": 31}
